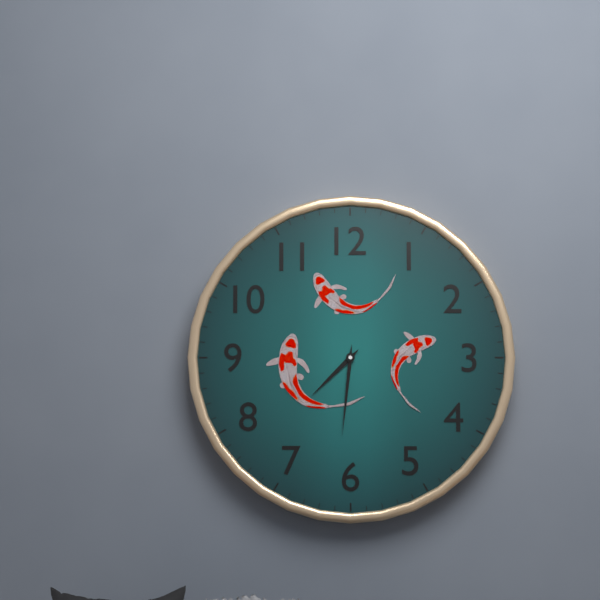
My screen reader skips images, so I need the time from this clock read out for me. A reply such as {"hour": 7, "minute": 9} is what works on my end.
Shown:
{"hour": 7, "minute": 31}
